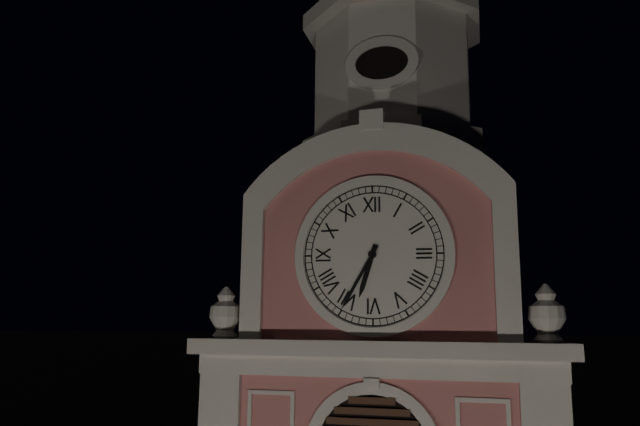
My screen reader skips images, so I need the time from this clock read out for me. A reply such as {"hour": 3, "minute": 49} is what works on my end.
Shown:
{"hour": 6, "minute": 35}
